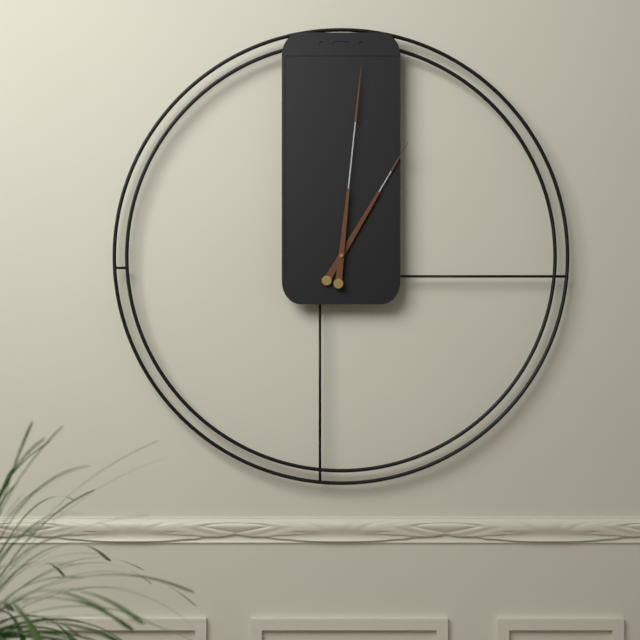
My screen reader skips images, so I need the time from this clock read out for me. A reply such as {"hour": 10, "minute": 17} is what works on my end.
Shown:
{"hour": 1, "minute": 1}
